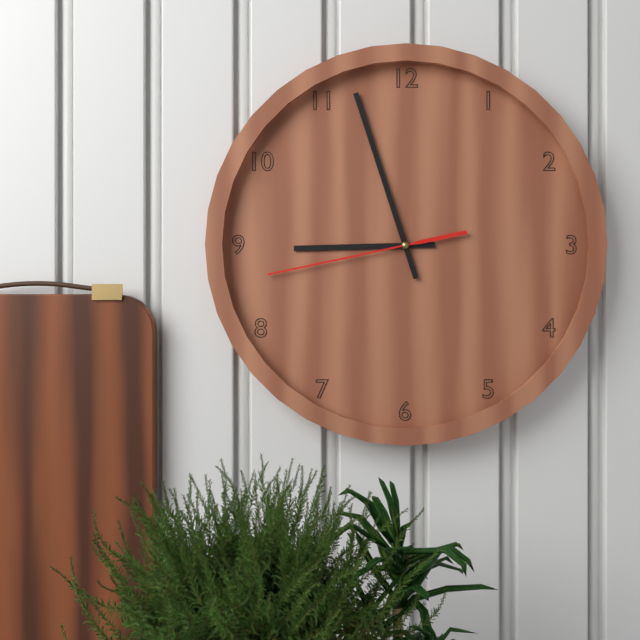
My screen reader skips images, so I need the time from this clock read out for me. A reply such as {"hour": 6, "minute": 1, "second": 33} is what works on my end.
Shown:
{"hour": 8, "minute": 57, "second": 43}
